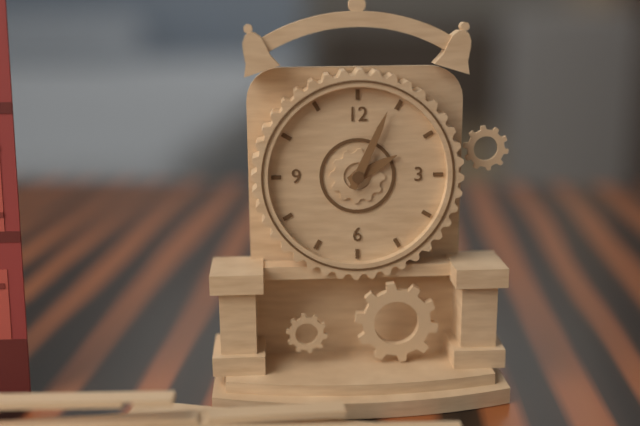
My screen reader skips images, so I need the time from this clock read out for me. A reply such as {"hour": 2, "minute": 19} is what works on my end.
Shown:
{"hour": 2, "minute": 4}
